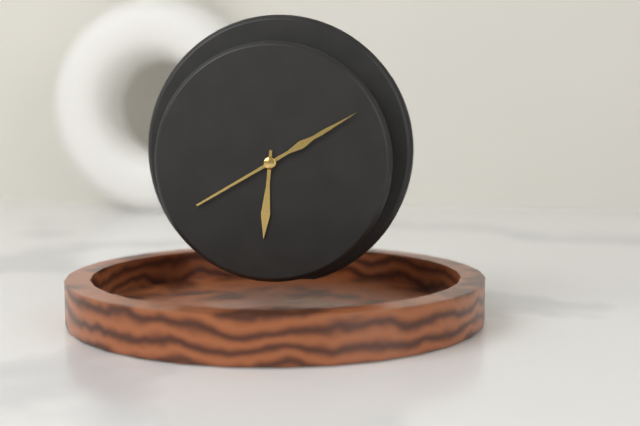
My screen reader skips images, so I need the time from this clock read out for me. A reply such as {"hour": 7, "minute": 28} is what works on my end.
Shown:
{"hour": 6, "minute": 10}
